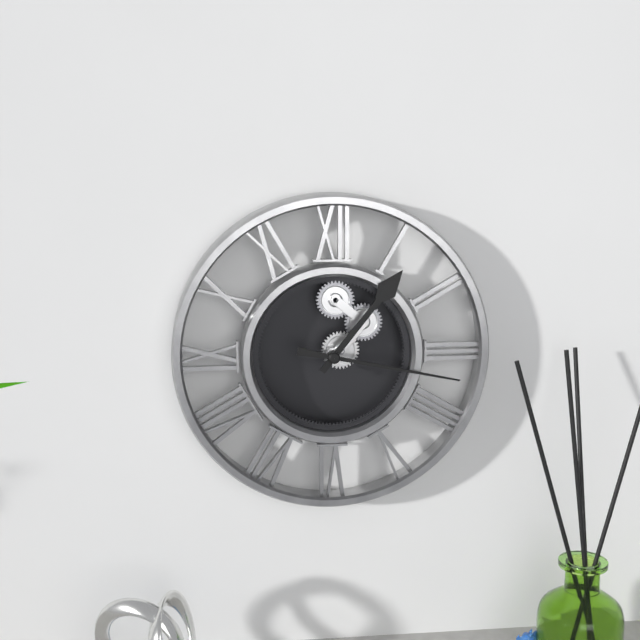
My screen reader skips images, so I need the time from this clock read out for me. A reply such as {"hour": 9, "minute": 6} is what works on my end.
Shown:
{"hour": 1, "minute": 17}
